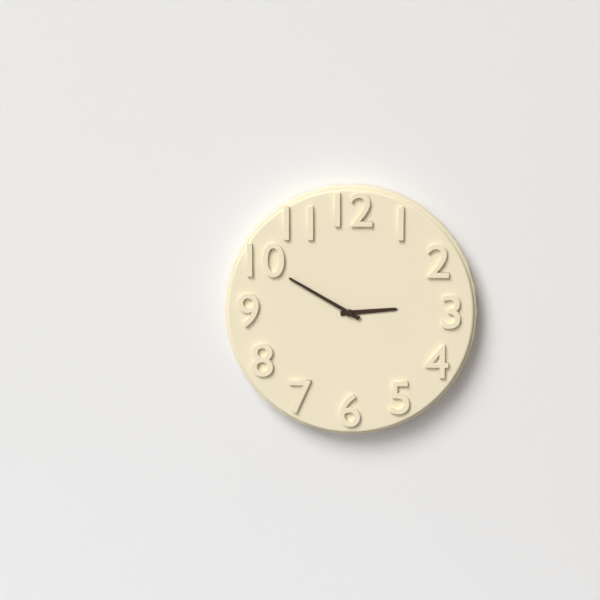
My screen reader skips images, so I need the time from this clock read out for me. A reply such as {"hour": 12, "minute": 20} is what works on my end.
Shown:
{"hour": 2, "minute": 50}
